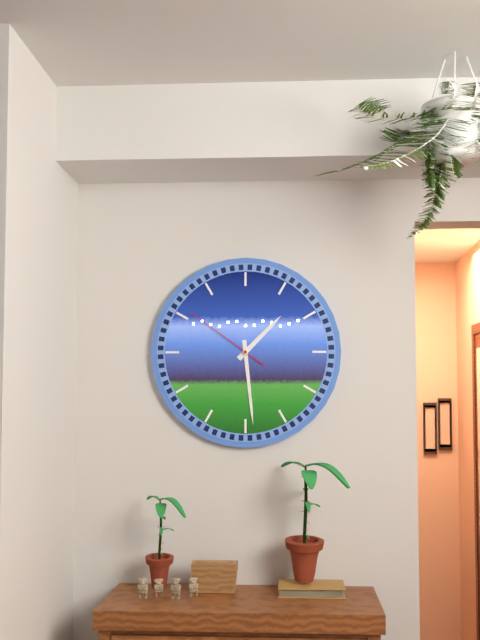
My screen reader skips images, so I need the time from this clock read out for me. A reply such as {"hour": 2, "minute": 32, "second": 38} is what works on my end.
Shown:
{"hour": 1, "minute": 29, "second": 51}
